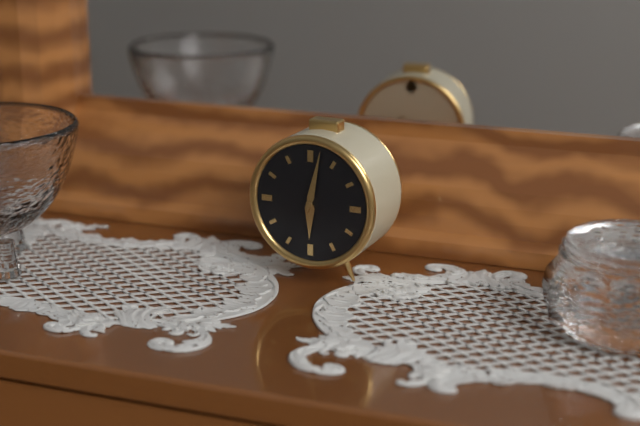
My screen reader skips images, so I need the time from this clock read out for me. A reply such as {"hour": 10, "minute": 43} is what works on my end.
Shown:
{"hour": 6, "minute": 2}
